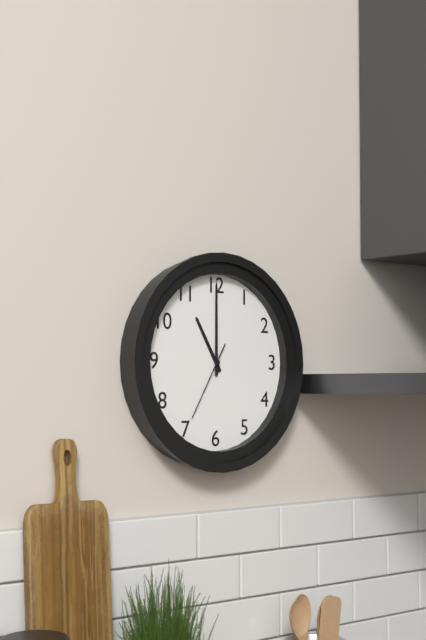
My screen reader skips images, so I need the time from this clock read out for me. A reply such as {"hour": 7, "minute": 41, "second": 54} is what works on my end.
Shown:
{"hour": 11, "minute": 0, "second": 35}
